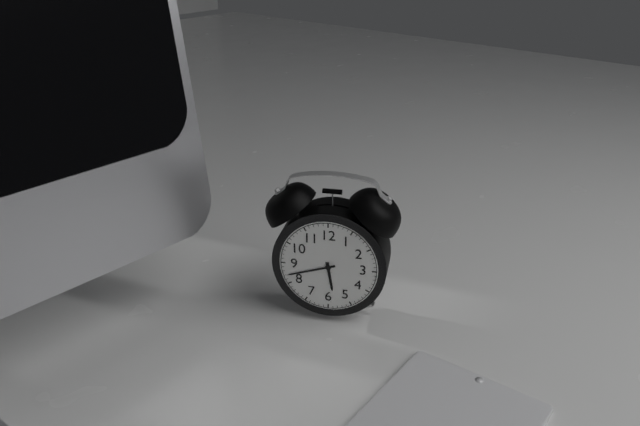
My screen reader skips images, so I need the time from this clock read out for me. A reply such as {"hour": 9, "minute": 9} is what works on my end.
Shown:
{"hour": 5, "minute": 42}
